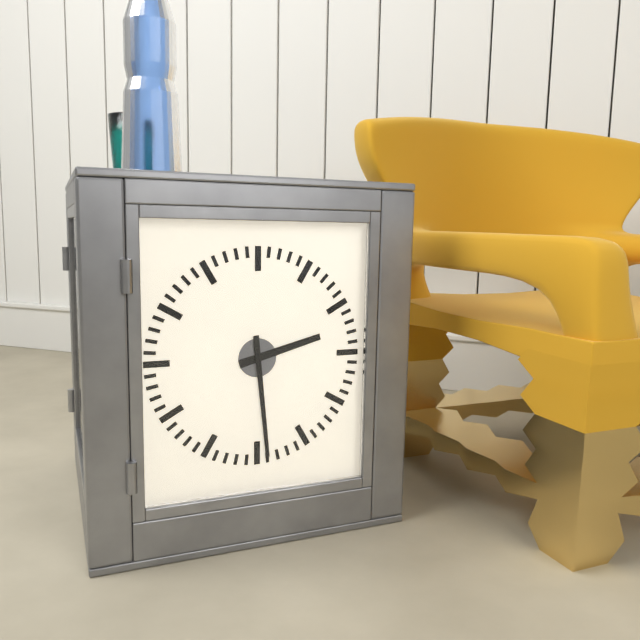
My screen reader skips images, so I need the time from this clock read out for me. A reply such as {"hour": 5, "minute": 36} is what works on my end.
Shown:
{"hour": 2, "minute": 29}
